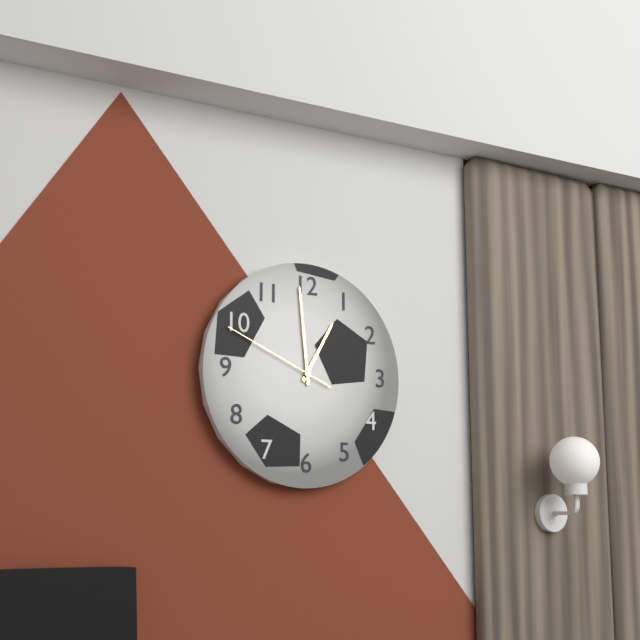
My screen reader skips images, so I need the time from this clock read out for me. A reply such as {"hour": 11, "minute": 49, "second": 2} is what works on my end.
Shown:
{"hour": 12, "minute": 59, "second": 49}
